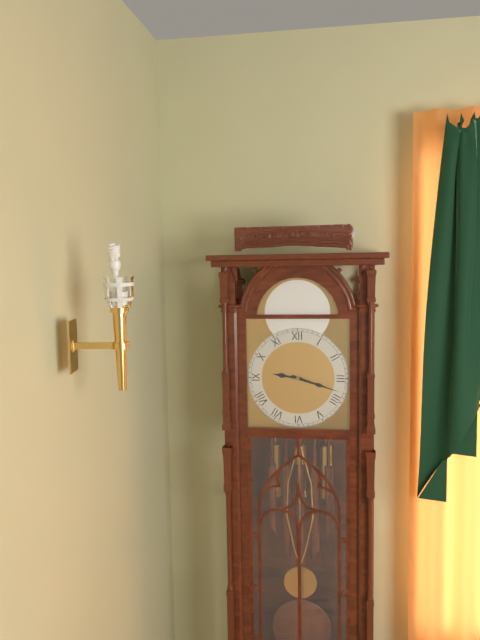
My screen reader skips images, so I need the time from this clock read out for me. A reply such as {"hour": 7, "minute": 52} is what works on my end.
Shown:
{"hour": 9, "minute": 18}
